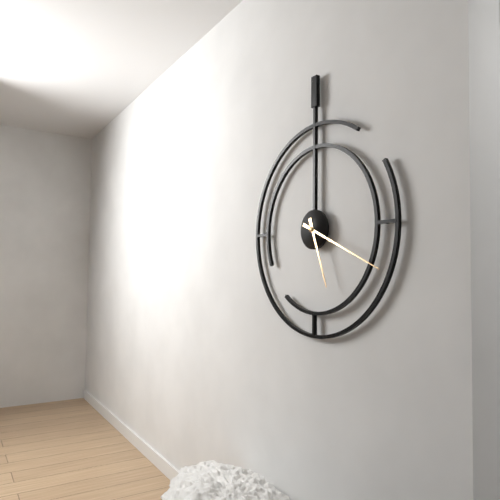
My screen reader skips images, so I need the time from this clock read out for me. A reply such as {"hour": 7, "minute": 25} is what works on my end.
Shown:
{"hour": 5, "minute": 19}
